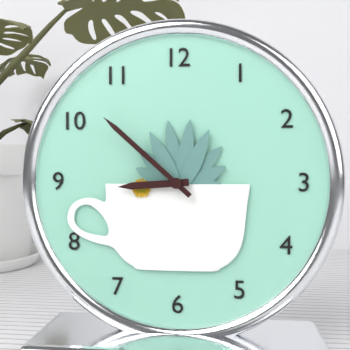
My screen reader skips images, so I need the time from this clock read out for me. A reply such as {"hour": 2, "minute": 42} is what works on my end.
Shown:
{"hour": 8, "minute": 52}
